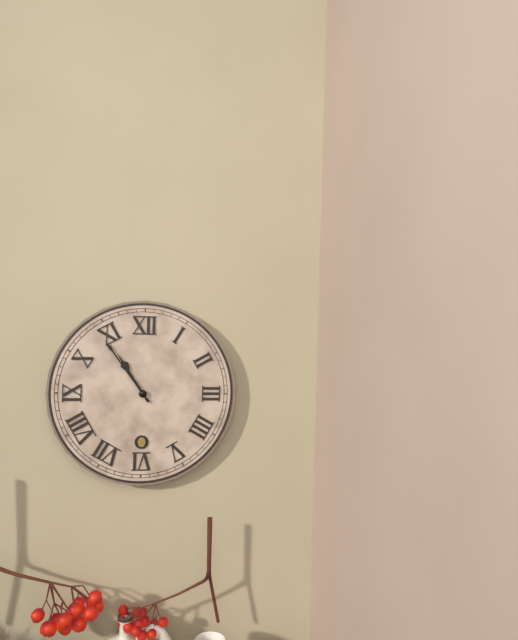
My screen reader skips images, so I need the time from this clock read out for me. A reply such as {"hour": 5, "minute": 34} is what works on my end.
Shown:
{"hour": 10, "minute": 54}
